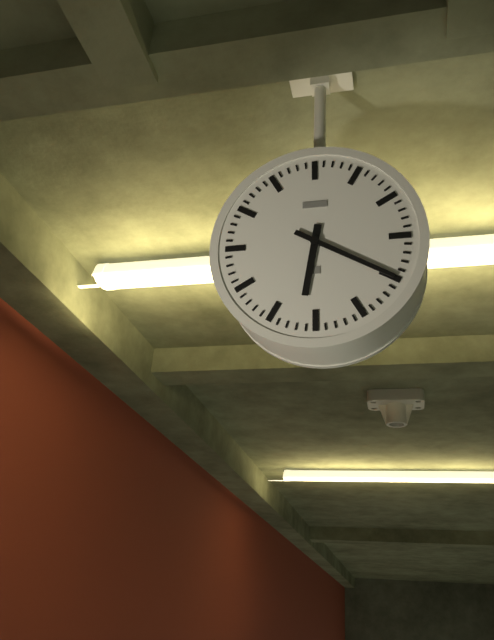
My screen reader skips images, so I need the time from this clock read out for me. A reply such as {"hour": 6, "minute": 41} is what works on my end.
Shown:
{"hour": 6, "minute": 20}
